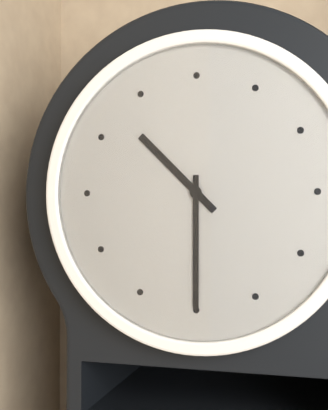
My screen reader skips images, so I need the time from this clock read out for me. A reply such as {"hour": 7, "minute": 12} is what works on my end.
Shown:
{"hour": 10, "minute": 30}
